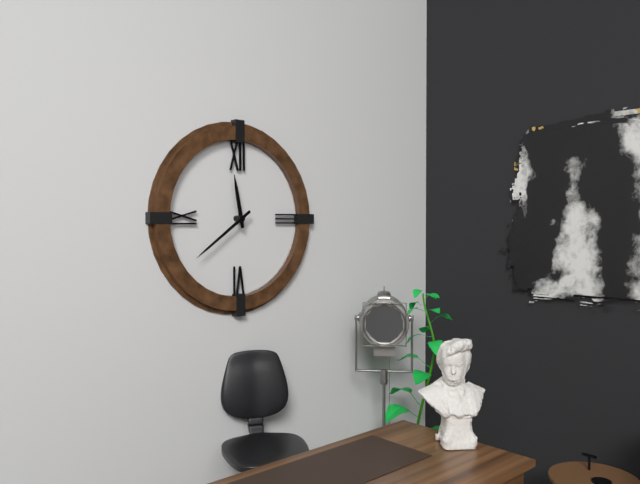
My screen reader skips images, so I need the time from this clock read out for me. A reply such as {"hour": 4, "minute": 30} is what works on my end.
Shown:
{"hour": 11, "minute": 39}
